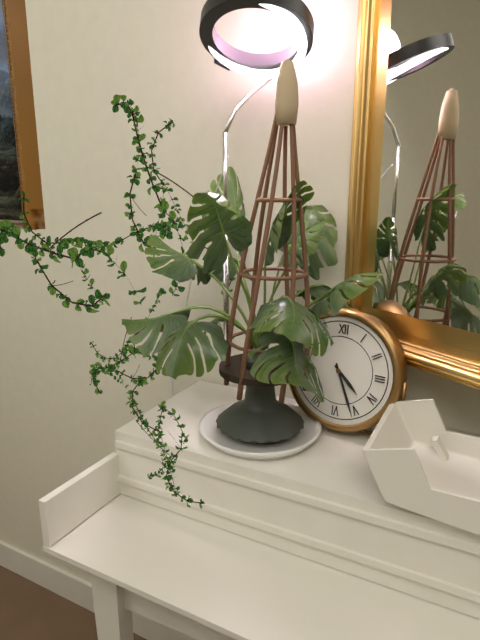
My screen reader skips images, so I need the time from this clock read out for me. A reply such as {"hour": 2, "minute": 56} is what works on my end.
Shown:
{"hour": 4, "minute": 26}
